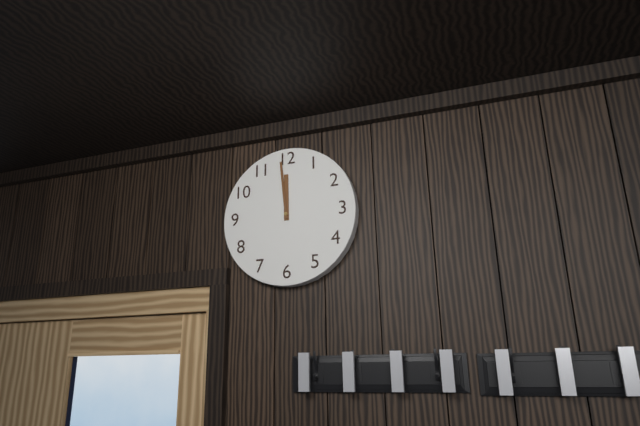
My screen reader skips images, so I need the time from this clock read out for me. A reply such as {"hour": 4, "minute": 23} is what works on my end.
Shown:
{"hour": 11, "minute": 59}
